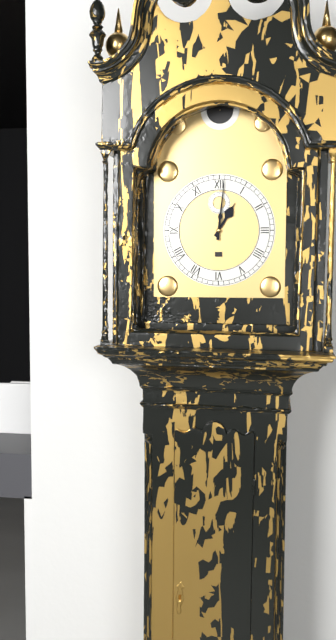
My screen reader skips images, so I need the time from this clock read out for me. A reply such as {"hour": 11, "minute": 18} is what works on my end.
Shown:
{"hour": 1, "minute": 1}
